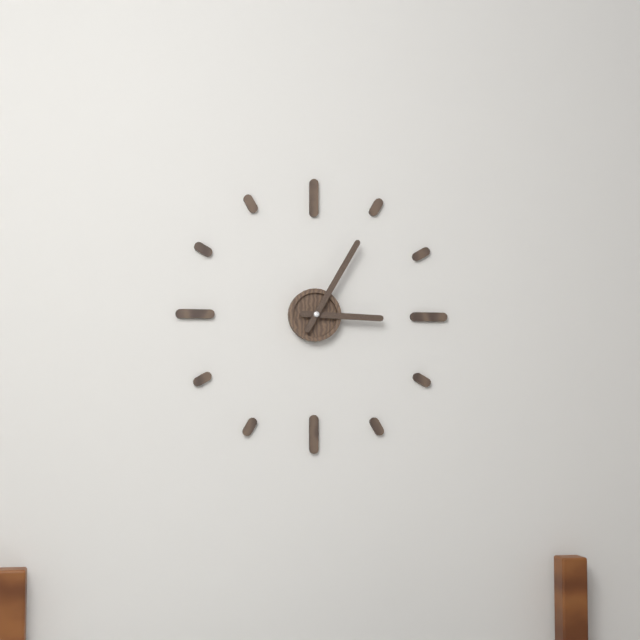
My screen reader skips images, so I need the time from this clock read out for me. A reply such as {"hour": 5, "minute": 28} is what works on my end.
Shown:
{"hour": 3, "minute": 5}
